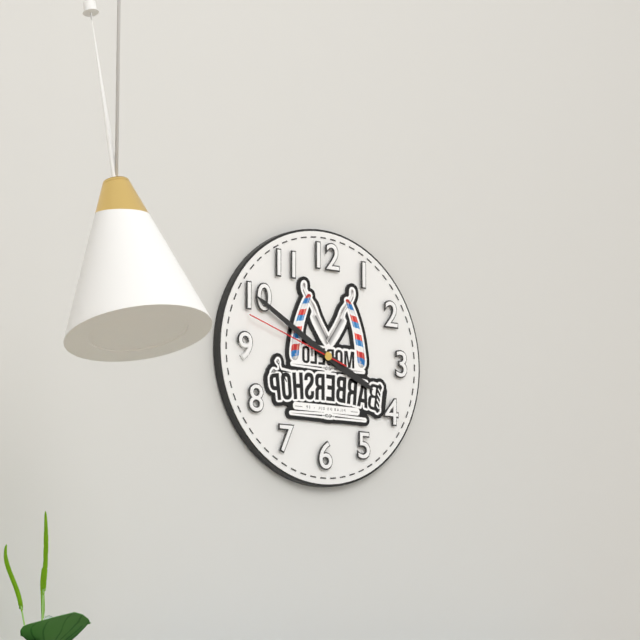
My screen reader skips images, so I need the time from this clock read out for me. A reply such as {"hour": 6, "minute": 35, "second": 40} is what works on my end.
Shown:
{"hour": 3, "minute": 50, "second": 48}
